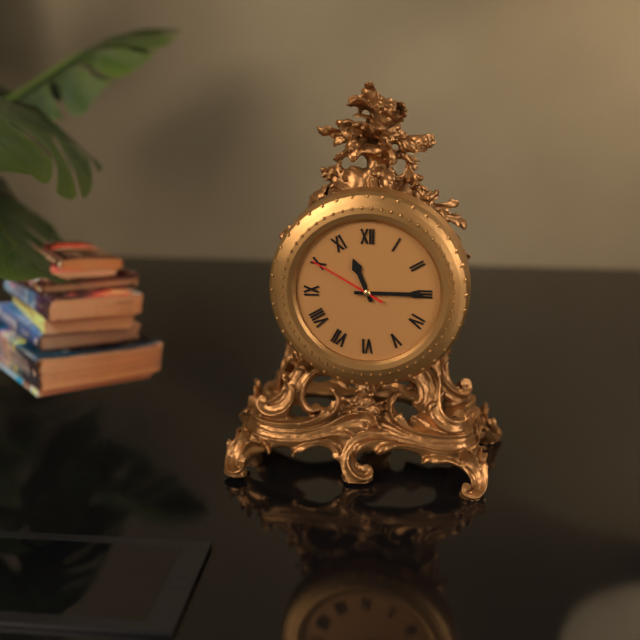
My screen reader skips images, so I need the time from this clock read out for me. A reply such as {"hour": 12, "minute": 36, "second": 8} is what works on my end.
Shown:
{"hour": 11, "minute": 15, "second": 50}
